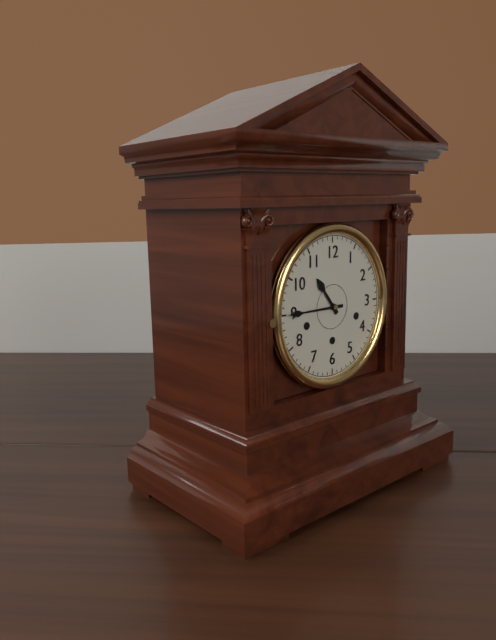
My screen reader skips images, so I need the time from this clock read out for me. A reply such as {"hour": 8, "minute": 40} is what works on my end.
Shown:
{"hour": 10, "minute": 45}
